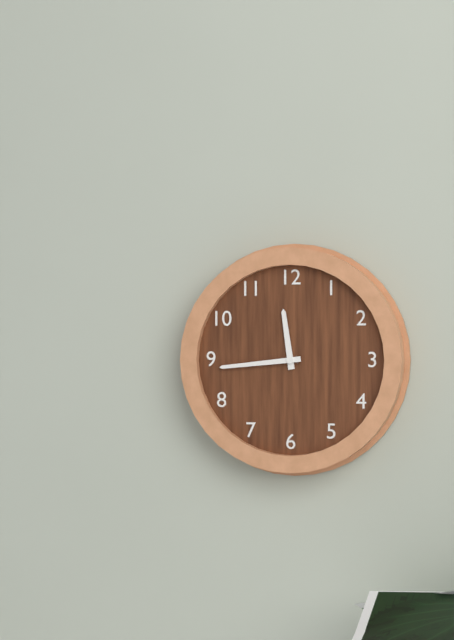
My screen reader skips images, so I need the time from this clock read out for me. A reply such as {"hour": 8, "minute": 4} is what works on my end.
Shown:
{"hour": 11, "minute": 44}
